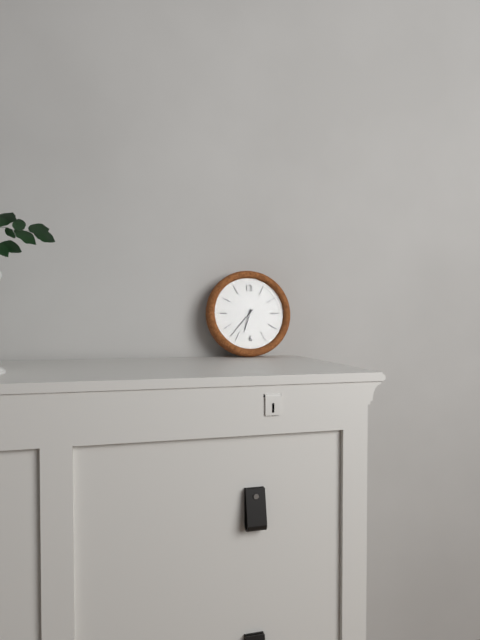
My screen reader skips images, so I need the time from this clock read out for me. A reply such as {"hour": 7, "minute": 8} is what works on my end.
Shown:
{"hour": 6, "minute": 37}
